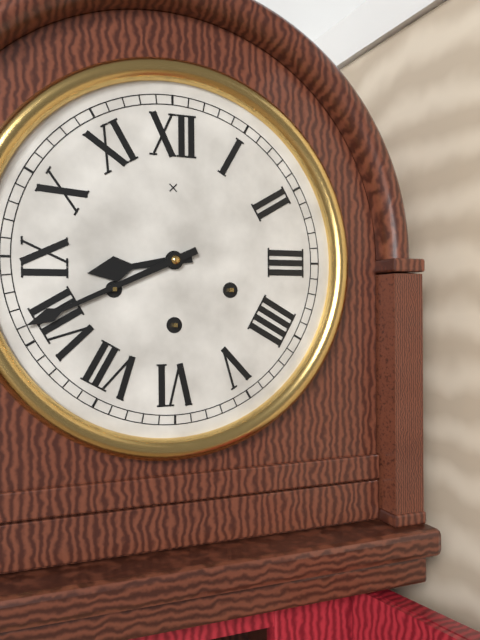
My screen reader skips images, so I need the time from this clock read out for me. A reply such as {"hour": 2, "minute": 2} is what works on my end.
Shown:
{"hour": 8, "minute": 41}
